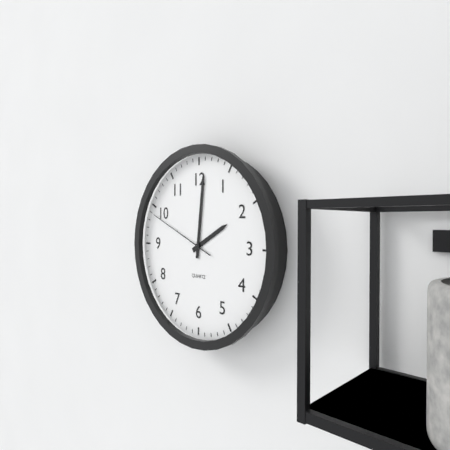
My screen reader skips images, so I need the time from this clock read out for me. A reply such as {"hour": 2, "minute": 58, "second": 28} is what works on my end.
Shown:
{"hour": 2, "minute": 1, "second": 49}
